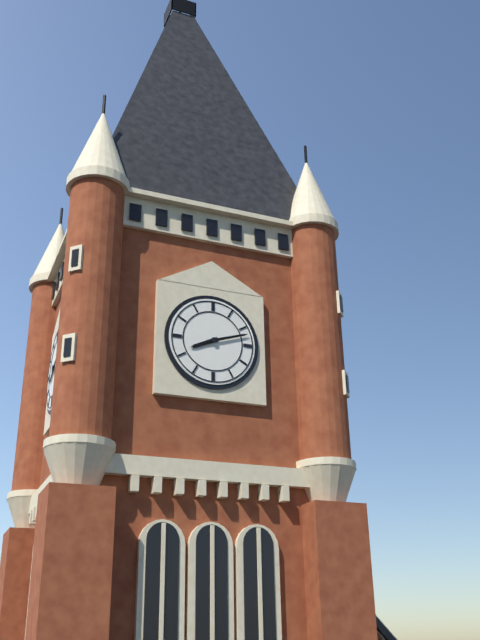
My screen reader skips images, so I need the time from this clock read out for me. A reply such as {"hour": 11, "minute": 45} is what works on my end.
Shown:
{"hour": 8, "minute": 12}
